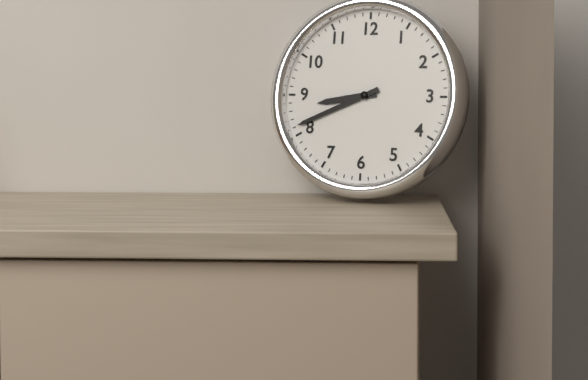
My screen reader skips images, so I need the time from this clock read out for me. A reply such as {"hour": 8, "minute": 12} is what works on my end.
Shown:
{"hour": 8, "minute": 41}
